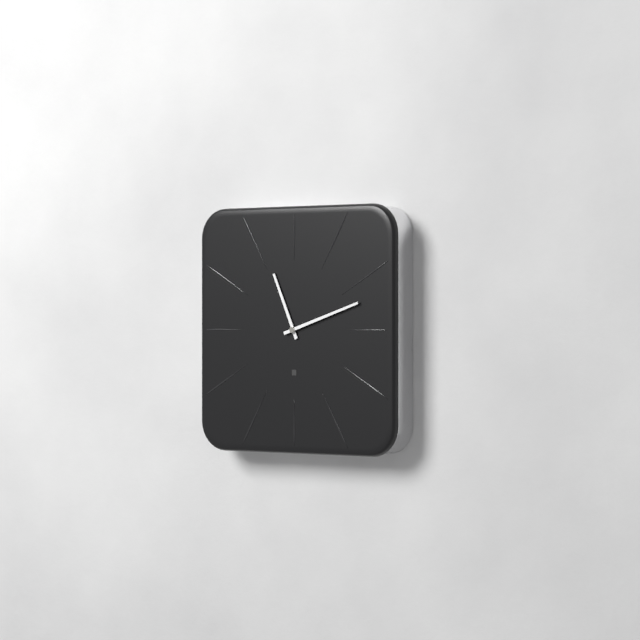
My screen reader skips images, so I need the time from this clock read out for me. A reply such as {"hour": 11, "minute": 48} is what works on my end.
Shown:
{"hour": 11, "minute": 12}
